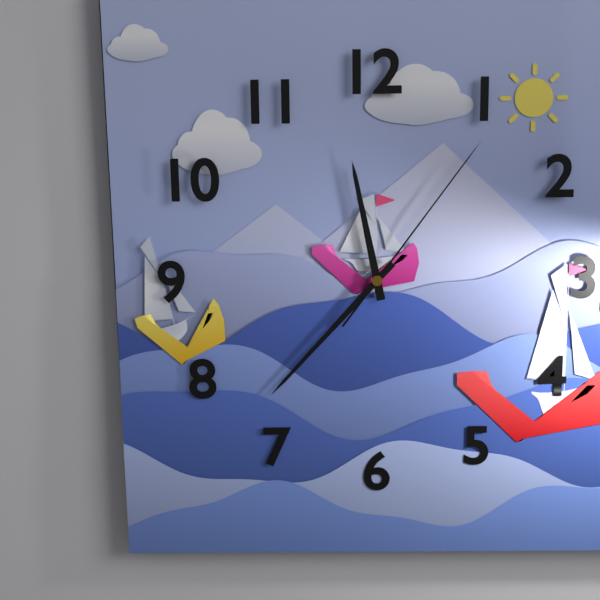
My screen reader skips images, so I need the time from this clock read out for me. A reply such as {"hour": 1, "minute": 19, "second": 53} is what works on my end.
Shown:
{"hour": 11, "minute": 37, "second": 6}
